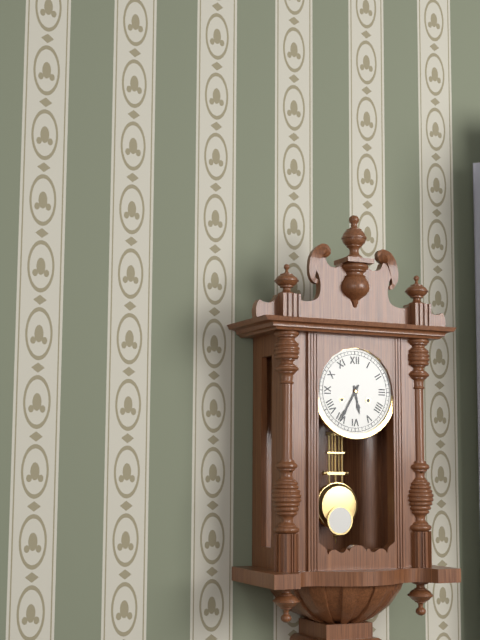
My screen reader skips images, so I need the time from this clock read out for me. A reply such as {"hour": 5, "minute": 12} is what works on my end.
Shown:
{"hour": 5, "minute": 35}
